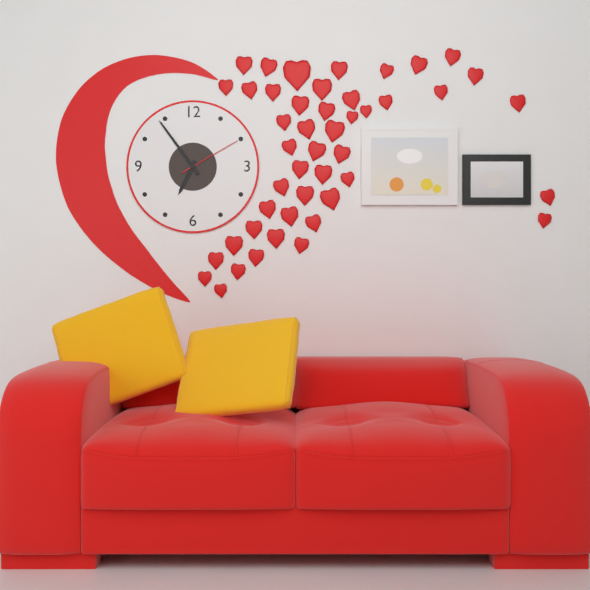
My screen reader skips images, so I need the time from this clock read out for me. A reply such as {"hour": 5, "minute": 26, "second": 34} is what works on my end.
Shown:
{"hour": 6, "minute": 54, "second": 10}
